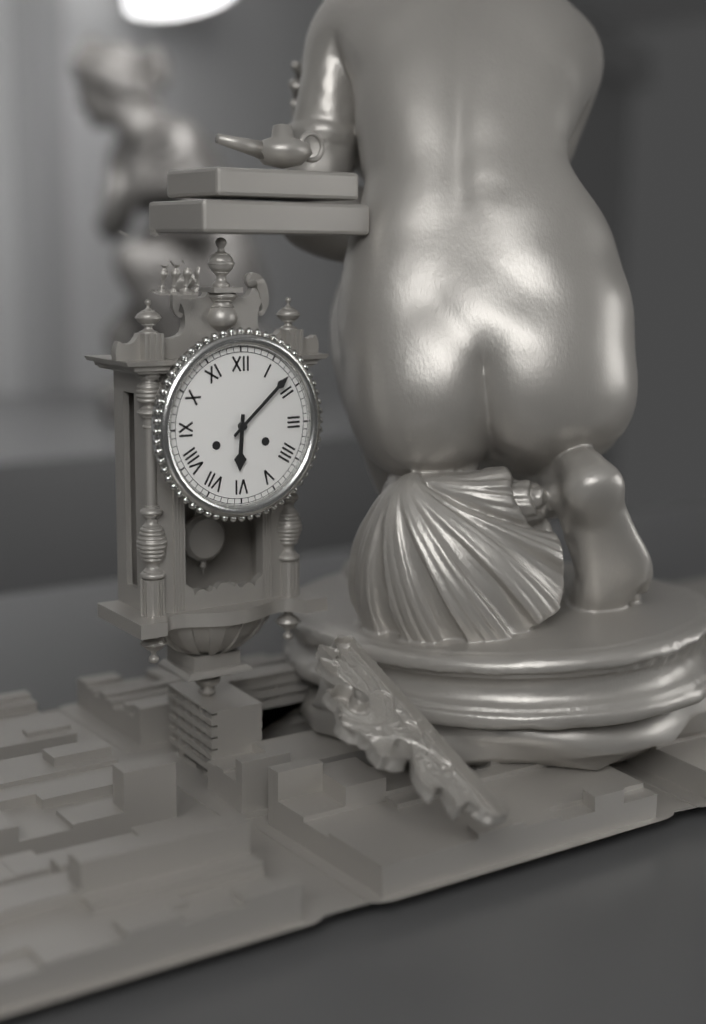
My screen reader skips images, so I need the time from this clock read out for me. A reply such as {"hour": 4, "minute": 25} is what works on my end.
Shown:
{"hour": 6, "minute": 8}
